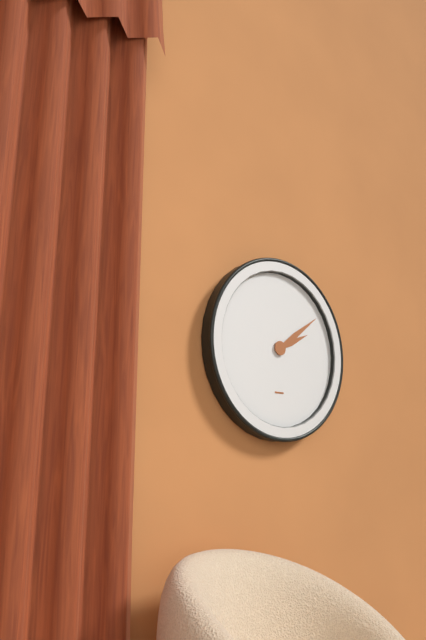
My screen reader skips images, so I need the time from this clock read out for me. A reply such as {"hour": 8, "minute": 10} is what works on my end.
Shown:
{"hour": 2, "minute": 9}
